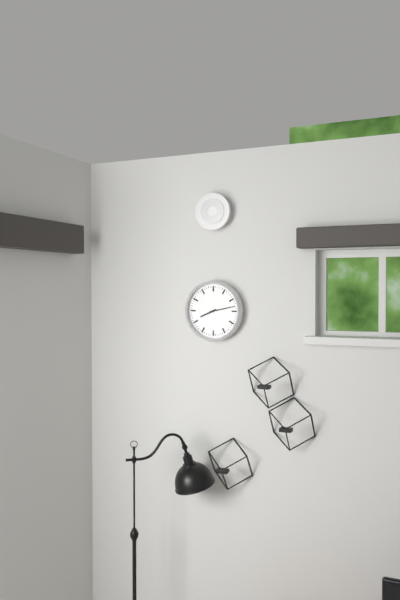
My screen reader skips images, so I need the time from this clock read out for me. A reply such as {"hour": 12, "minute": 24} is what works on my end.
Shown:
{"hour": 8, "minute": 13}
